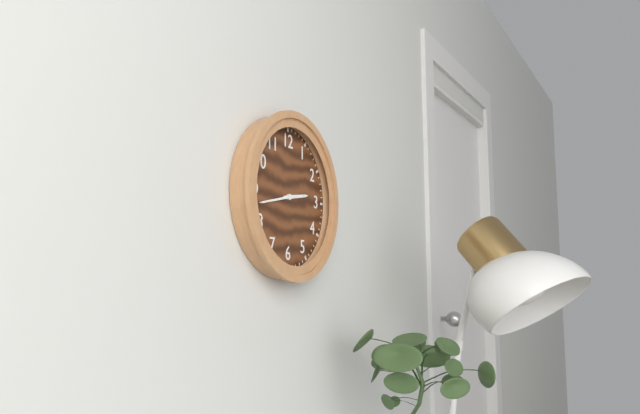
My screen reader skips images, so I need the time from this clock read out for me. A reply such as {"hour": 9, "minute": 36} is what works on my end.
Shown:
{"hour": 2, "minute": 43}
